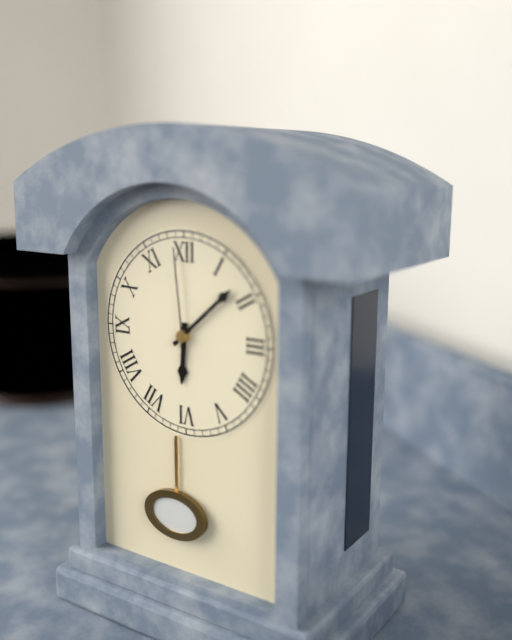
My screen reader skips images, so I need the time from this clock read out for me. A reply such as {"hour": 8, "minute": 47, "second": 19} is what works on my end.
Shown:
{"hour": 6, "minute": 8, "second": 59}
